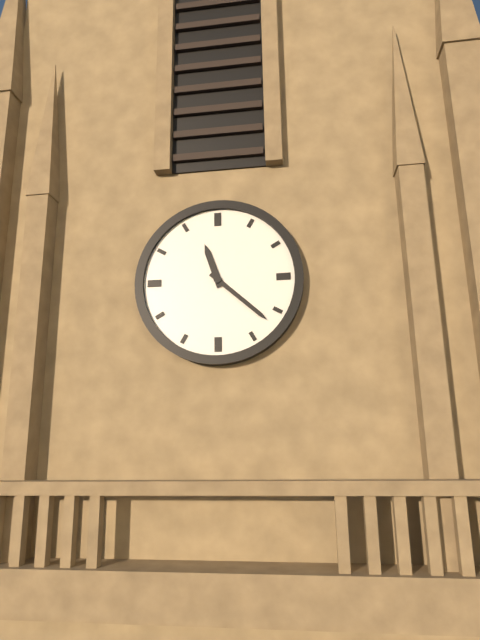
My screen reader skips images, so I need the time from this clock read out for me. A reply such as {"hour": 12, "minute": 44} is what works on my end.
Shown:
{"hour": 11, "minute": 22}
